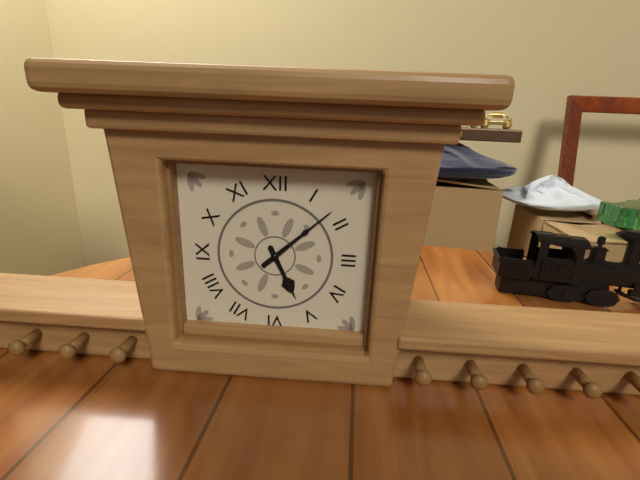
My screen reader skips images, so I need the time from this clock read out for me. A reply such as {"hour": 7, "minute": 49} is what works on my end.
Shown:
{"hour": 5, "minute": 8}
